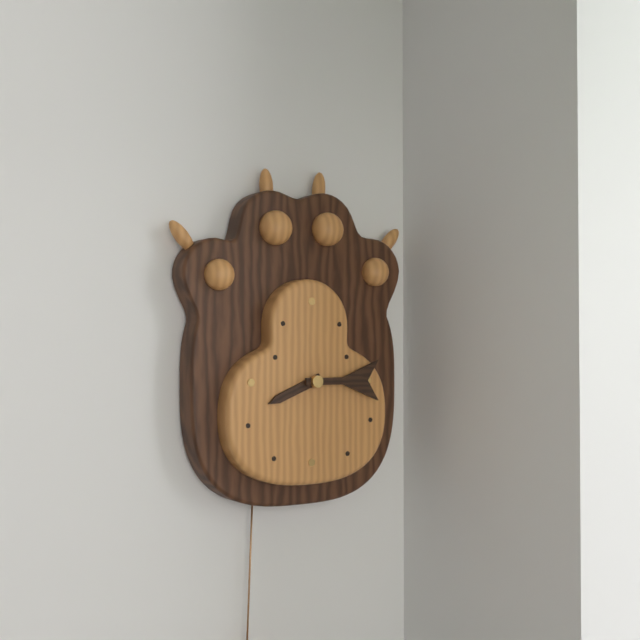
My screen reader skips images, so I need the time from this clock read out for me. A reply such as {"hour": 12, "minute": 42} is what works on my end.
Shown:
{"hour": 8, "minute": 15}
